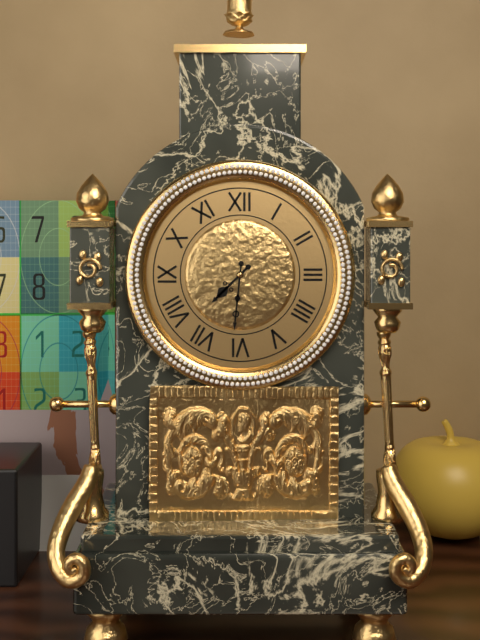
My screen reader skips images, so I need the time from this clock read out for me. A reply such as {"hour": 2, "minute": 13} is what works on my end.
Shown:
{"hour": 7, "minute": 31}
